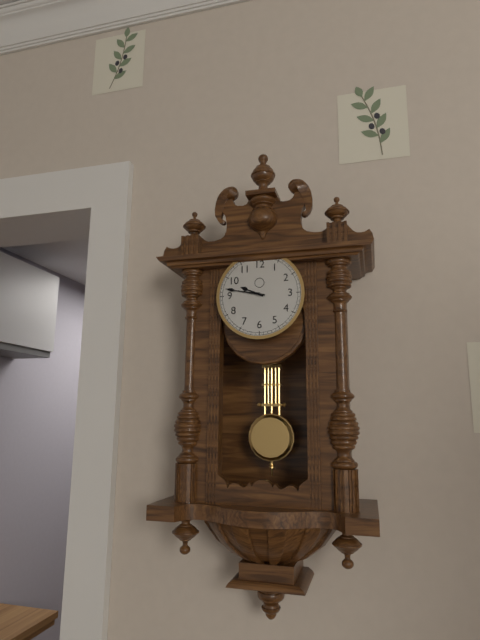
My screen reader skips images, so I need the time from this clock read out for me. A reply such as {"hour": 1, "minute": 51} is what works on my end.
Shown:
{"hour": 9, "minute": 47}
